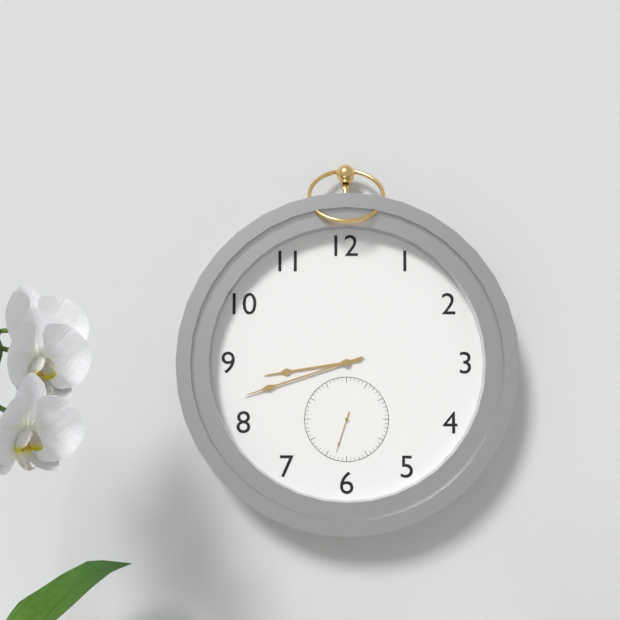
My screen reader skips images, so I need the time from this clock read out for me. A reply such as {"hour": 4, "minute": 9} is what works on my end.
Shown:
{"hour": 8, "minute": 42}
